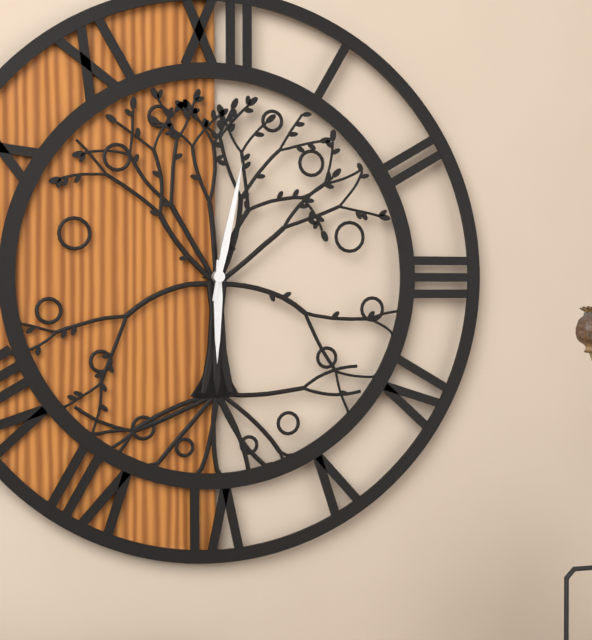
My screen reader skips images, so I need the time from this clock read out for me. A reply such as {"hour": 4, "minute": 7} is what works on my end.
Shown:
{"hour": 6, "minute": 2}
